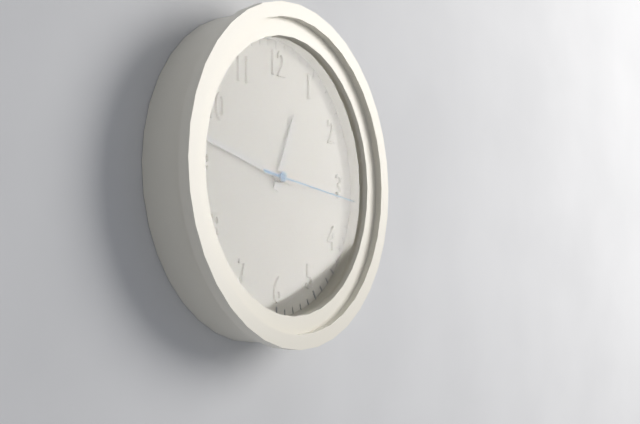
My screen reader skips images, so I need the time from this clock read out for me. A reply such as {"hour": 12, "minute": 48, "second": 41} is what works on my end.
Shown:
{"hour": 12, "minute": 47, "second": 16}
